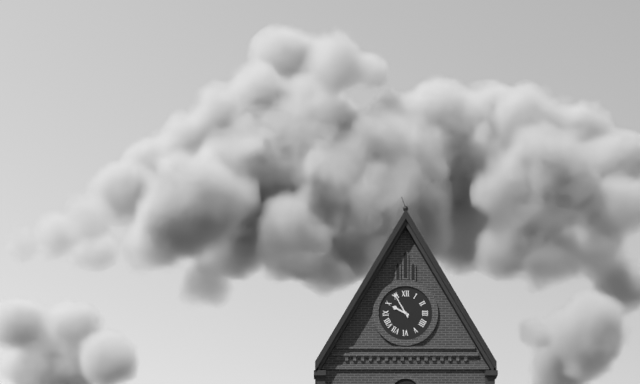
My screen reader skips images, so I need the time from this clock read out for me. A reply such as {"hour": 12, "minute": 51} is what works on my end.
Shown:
{"hour": 9, "minute": 55}
